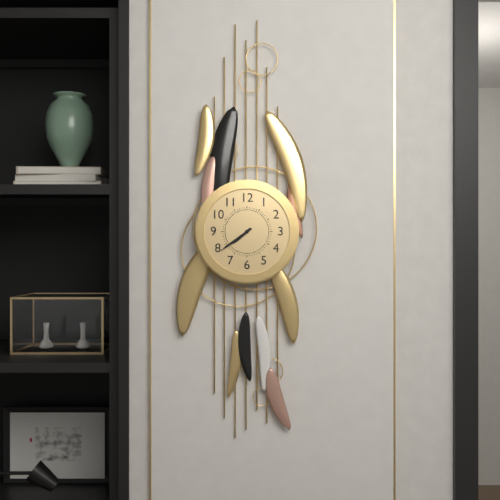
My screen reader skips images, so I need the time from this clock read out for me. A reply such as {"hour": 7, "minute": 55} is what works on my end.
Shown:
{"hour": 7, "minute": 39}
